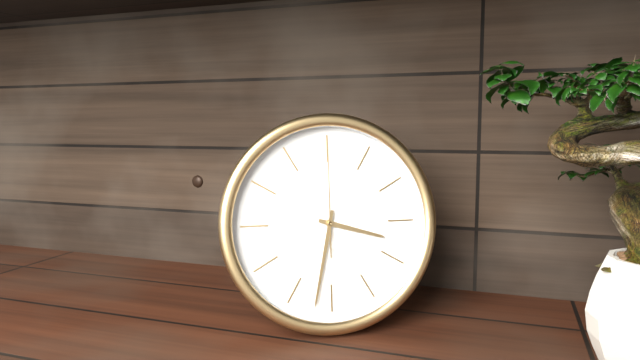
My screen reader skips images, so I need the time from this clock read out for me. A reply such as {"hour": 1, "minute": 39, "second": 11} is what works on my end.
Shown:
{"hour": 3, "minute": 32, "second": 0}
